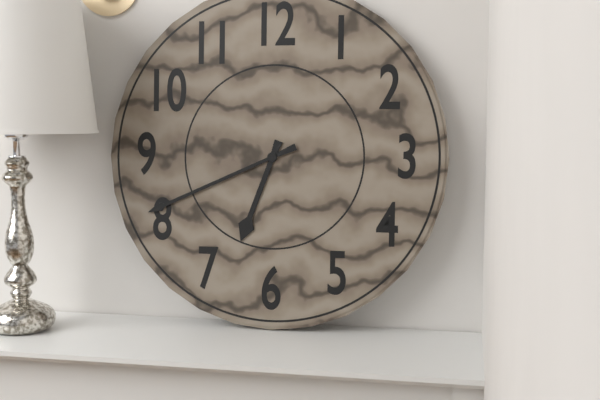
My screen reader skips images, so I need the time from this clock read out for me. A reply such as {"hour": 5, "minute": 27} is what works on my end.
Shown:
{"hour": 6, "minute": 41}
